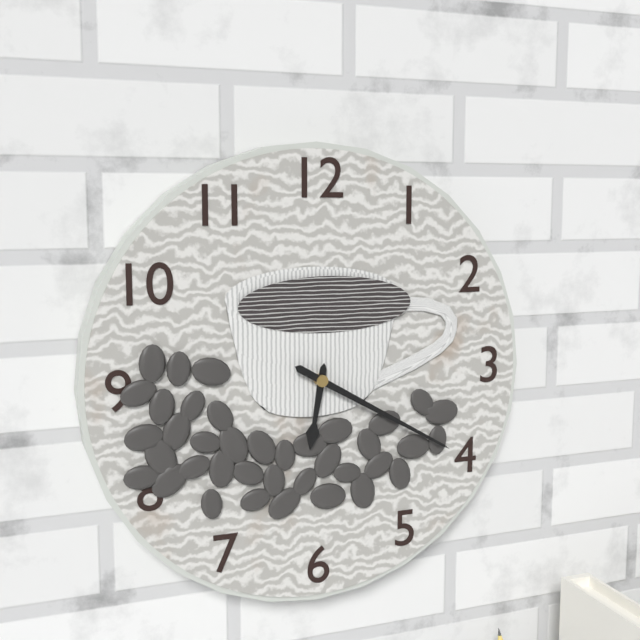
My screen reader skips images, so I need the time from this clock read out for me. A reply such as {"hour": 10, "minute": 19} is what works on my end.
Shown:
{"hour": 6, "minute": 20}
